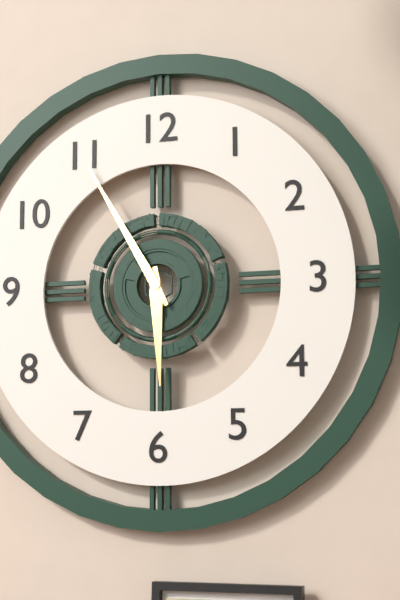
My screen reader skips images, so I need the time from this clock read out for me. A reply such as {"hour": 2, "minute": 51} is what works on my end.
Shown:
{"hour": 5, "minute": 55}
